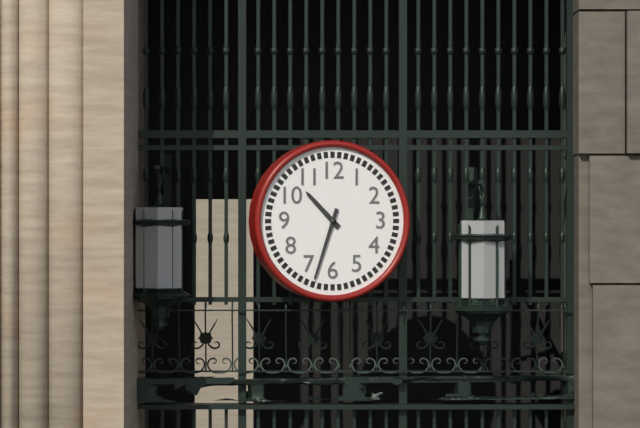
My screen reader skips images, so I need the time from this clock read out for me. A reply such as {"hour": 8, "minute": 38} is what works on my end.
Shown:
{"hour": 10, "minute": 33}
